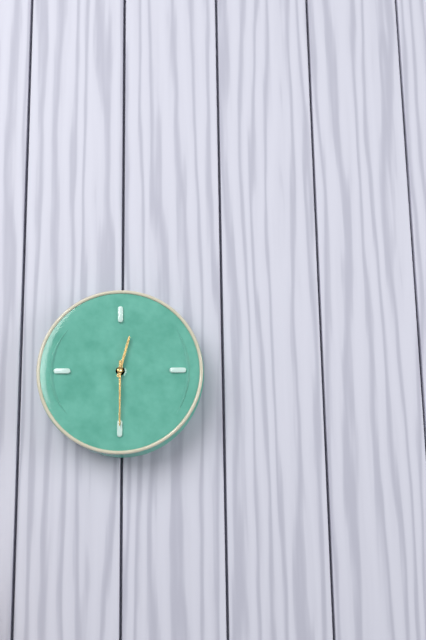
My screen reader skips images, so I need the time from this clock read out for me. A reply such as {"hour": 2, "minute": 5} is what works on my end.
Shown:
{"hour": 12, "minute": 30}
